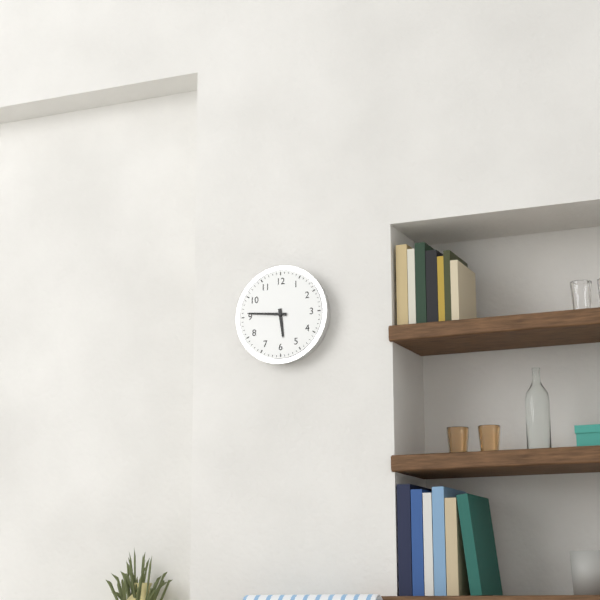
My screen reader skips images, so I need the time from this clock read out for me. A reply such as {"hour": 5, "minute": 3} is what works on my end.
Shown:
{"hour": 5, "minute": 46}
